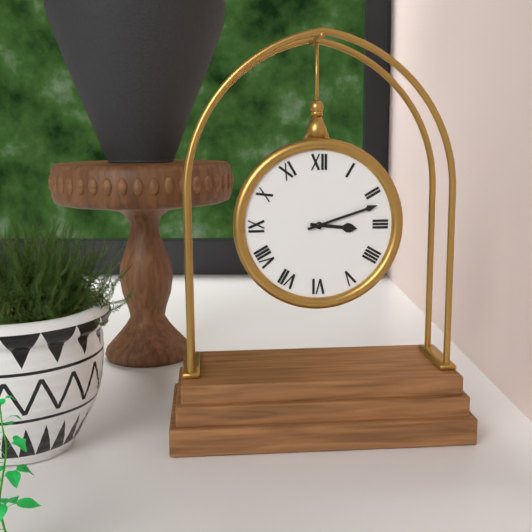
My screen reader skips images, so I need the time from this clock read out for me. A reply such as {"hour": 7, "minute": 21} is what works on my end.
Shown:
{"hour": 3, "minute": 12}
